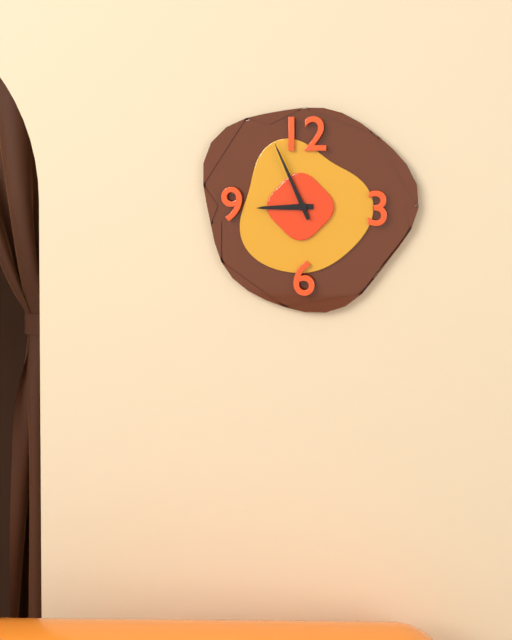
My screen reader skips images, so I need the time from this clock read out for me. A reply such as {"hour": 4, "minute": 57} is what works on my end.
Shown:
{"hour": 8, "minute": 56}
